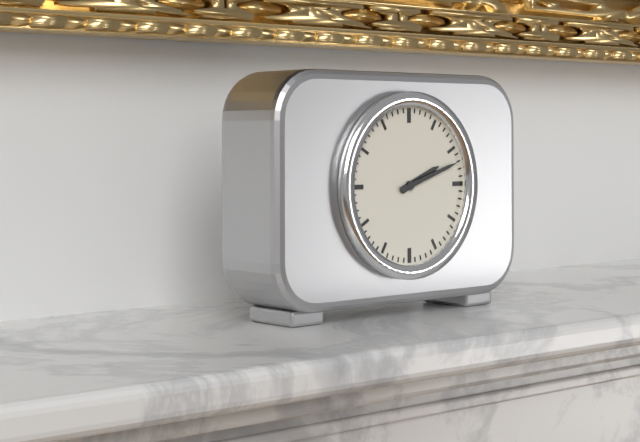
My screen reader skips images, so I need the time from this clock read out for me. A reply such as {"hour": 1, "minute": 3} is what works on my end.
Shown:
{"hour": 2, "minute": 12}
